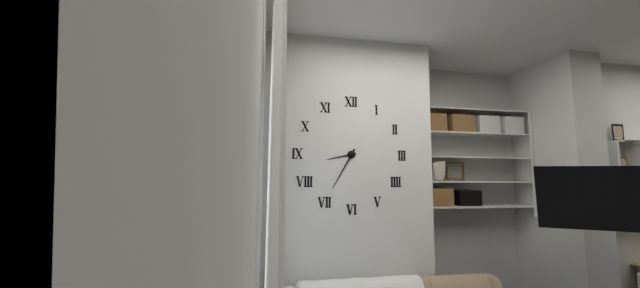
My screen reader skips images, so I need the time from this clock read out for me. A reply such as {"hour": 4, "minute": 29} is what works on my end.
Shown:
{"hour": 8, "minute": 35}
